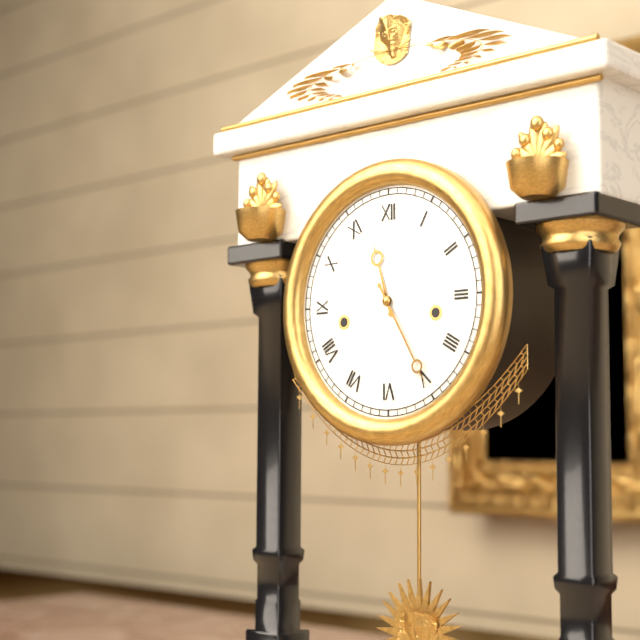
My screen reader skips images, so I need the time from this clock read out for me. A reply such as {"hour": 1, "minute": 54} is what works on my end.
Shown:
{"hour": 11, "minute": 25}
